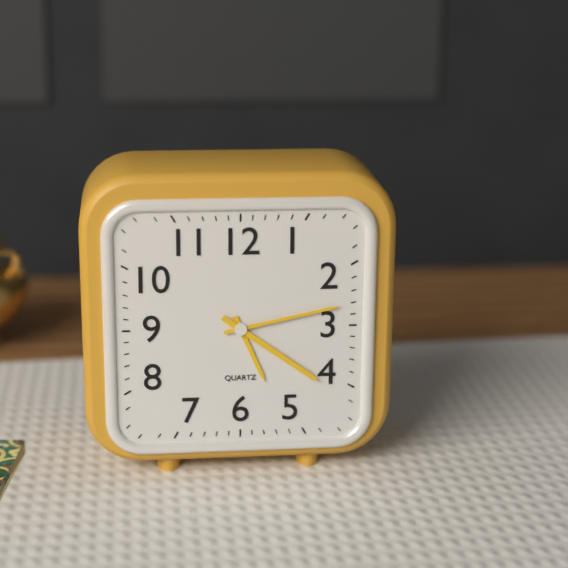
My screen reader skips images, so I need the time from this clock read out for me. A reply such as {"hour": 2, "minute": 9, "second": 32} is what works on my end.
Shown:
{"hour": 5, "minute": 13, "second": 21}
